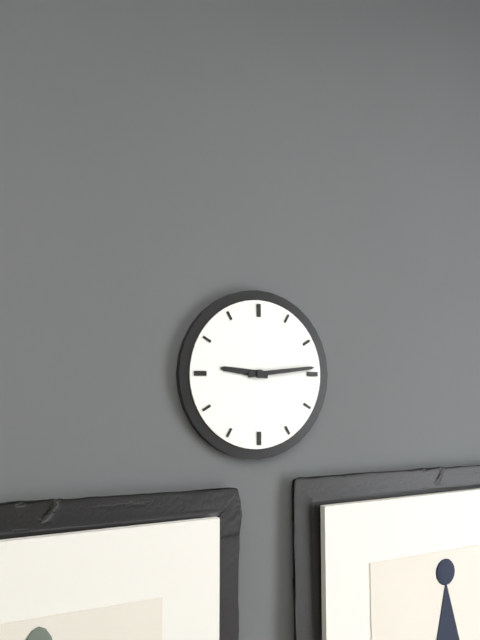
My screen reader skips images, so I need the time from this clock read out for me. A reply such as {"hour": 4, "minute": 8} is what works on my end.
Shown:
{"hour": 9, "minute": 14}
